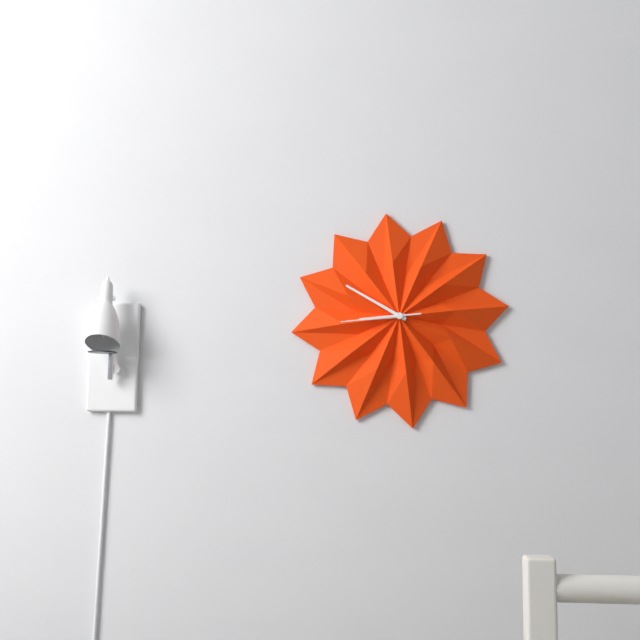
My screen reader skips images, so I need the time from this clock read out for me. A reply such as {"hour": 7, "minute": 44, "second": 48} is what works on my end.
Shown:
{"hour": 8, "minute": 50, "second": 44}
